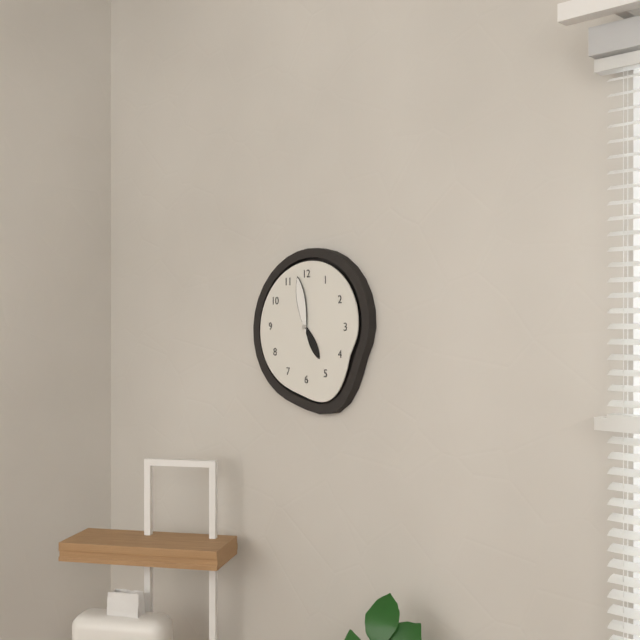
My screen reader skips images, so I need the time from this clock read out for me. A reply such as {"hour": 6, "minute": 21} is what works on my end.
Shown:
{"hour": 4, "minute": 58}
